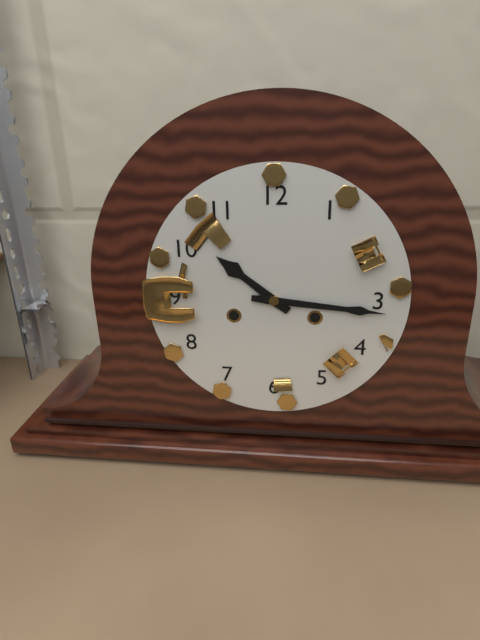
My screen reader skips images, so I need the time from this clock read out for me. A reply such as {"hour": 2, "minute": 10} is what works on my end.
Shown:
{"hour": 10, "minute": 16}
